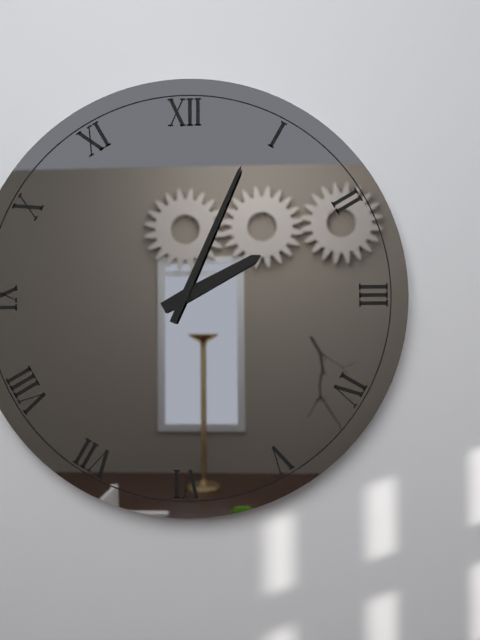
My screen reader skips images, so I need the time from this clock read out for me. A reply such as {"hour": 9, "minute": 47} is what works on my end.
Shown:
{"hour": 2, "minute": 4}
